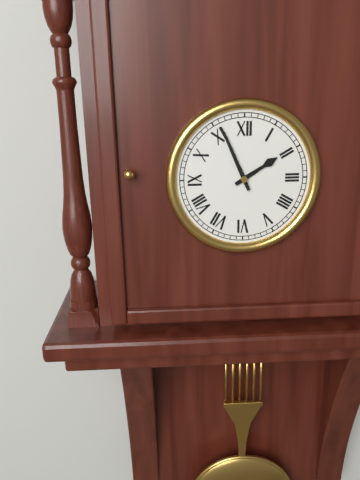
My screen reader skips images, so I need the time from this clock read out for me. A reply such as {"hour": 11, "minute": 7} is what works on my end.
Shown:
{"hour": 1, "minute": 56}
